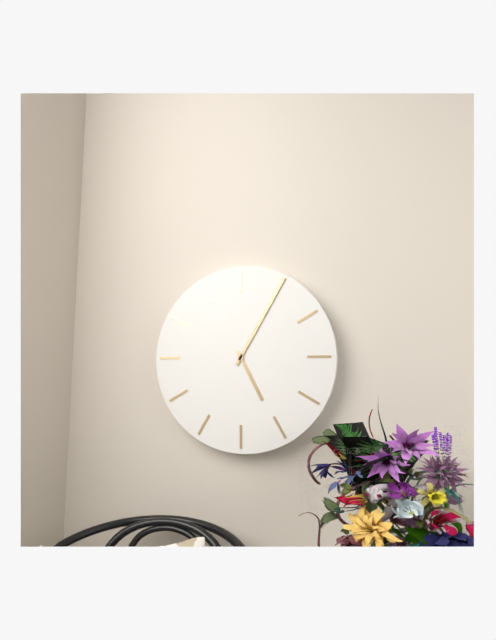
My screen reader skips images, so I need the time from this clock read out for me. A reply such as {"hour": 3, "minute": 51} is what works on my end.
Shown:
{"hour": 5, "minute": 5}
